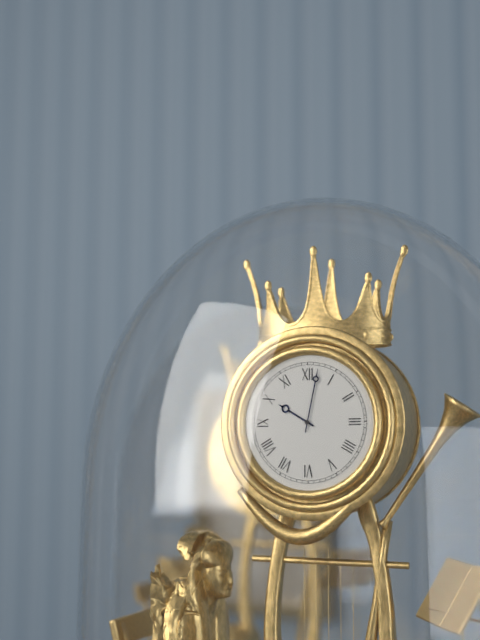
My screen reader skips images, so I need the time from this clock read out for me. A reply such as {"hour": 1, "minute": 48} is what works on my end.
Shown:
{"hour": 10, "minute": 2}
